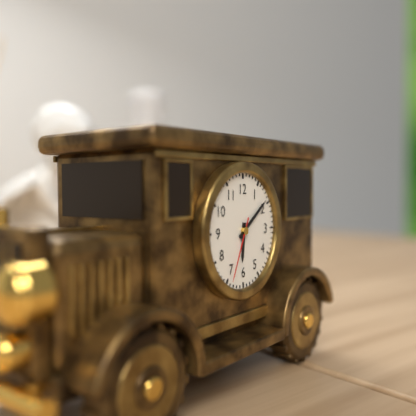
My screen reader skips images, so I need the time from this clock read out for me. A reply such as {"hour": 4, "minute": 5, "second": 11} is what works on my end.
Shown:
{"hour": 6, "minute": 9, "second": 34}
